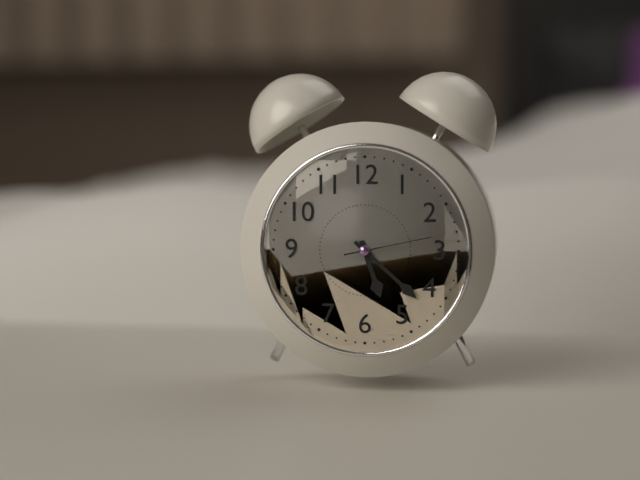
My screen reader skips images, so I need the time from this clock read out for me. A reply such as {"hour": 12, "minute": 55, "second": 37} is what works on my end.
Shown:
{"hour": 5, "minute": 22, "second": 13}
